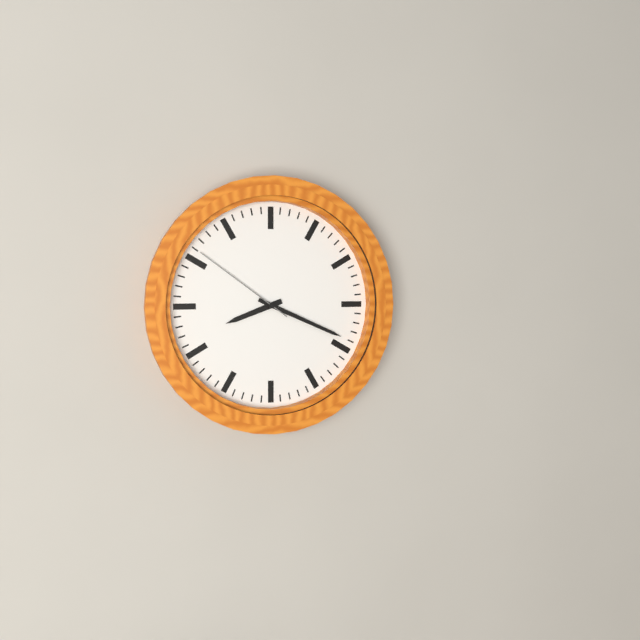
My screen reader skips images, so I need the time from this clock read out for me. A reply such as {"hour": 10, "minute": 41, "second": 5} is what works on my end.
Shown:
{"hour": 8, "minute": 19, "second": 51}
